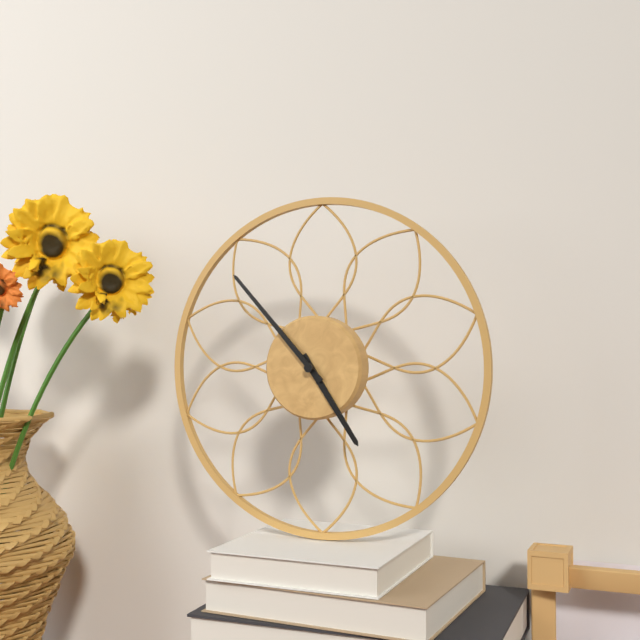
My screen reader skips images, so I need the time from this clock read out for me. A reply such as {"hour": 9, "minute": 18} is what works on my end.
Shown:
{"hour": 4, "minute": 53}
